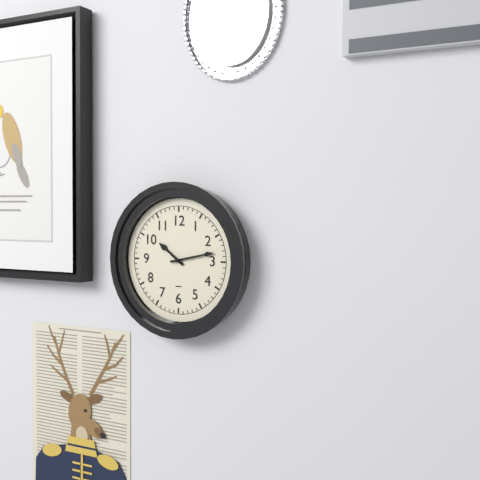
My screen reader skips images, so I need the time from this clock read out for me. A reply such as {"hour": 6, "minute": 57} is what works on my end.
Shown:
{"hour": 10, "minute": 13}
